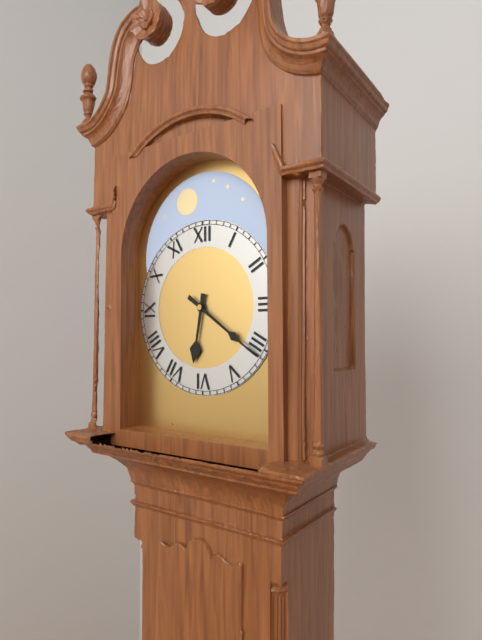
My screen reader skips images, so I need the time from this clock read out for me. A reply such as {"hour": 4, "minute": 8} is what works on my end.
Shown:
{"hour": 6, "minute": 21}
